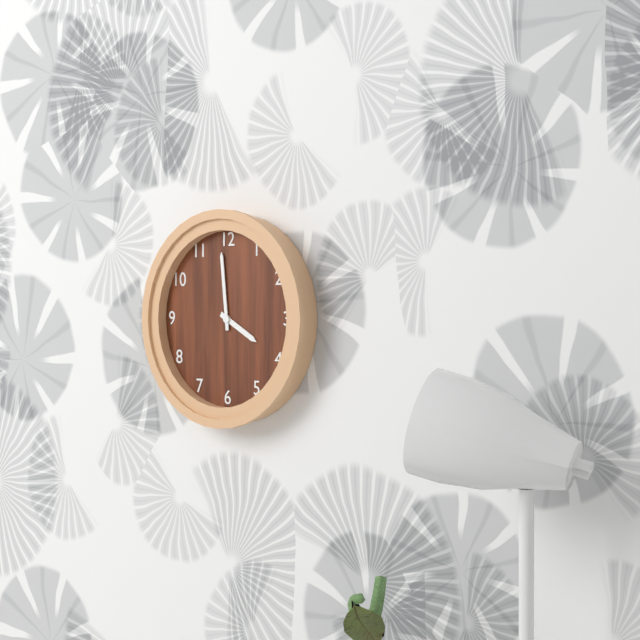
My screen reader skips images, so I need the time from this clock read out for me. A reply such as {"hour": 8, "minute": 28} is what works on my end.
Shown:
{"hour": 3, "minute": 59}
